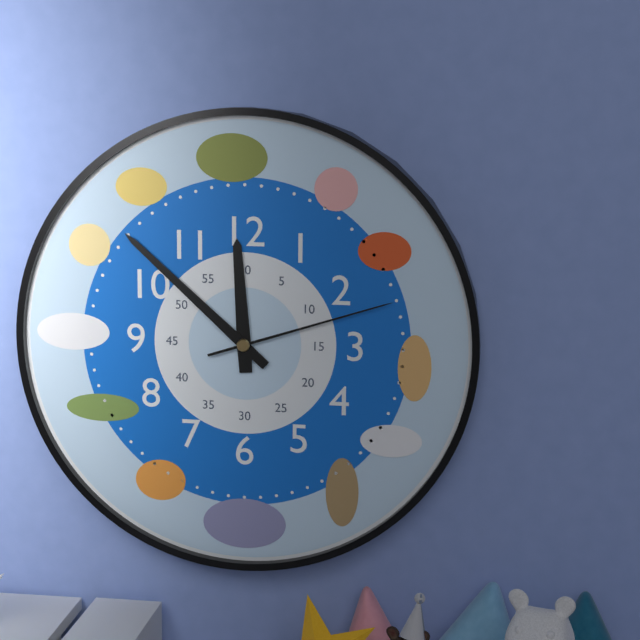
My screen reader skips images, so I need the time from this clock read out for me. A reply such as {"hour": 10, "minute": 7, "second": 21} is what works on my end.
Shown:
{"hour": 11, "minute": 52, "second": 12}
